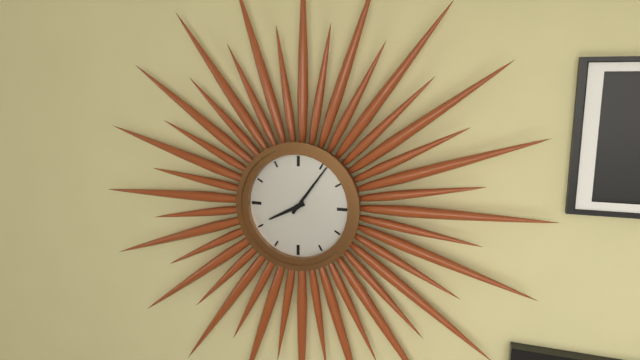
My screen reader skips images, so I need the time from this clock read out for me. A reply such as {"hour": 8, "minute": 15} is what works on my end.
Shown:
{"hour": 8, "minute": 6}
